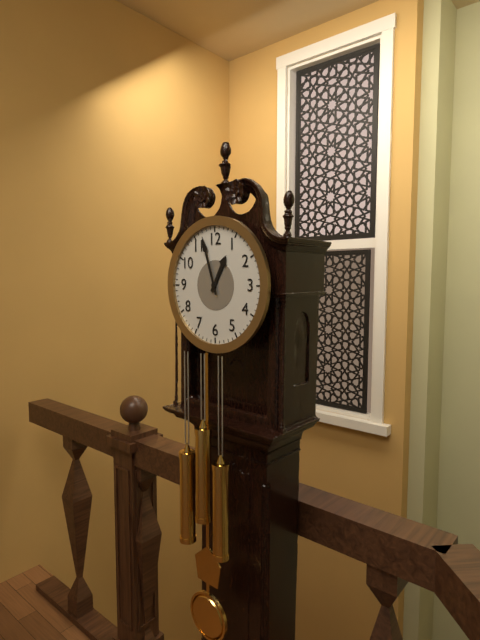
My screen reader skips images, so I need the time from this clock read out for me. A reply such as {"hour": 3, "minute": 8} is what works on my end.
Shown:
{"hour": 12, "minute": 57}
